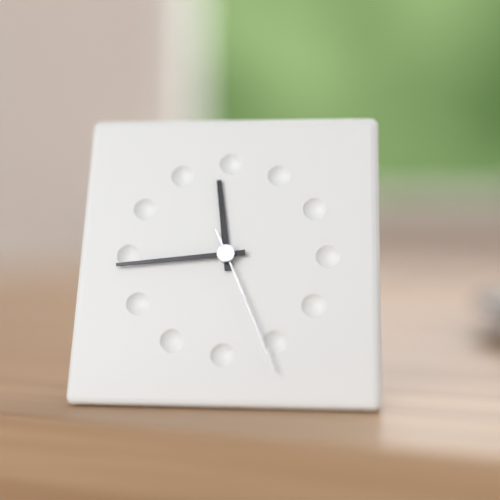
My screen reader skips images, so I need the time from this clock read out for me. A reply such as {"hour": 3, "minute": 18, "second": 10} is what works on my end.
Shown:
{"hour": 11, "minute": 44, "second": 26}
